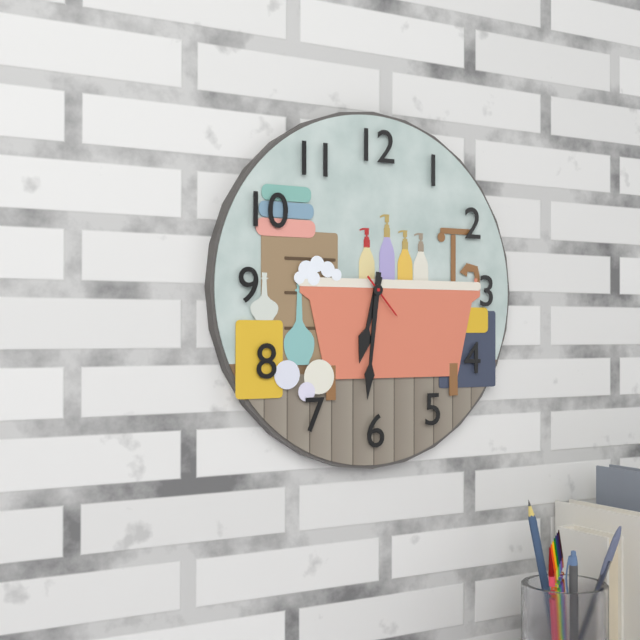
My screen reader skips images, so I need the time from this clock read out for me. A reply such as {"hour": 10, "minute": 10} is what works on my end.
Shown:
{"hour": 6, "minute": 31}
